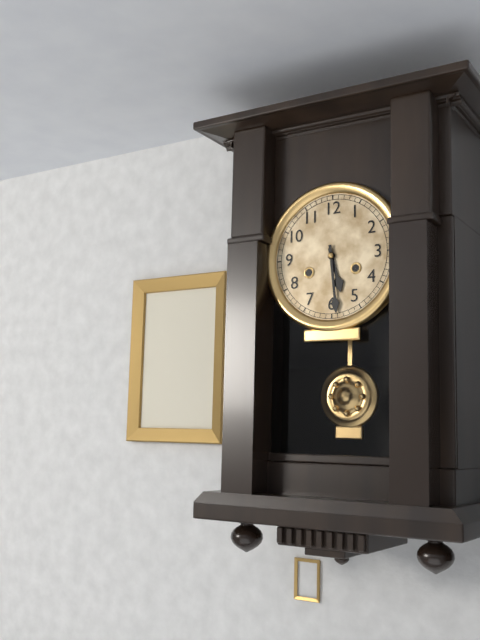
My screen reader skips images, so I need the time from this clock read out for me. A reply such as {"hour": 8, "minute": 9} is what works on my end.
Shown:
{"hour": 5, "minute": 29}
